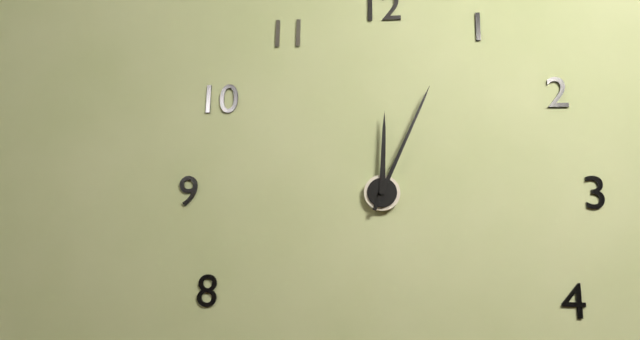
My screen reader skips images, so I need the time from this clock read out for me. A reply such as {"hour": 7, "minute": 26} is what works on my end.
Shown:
{"hour": 12, "minute": 4}
